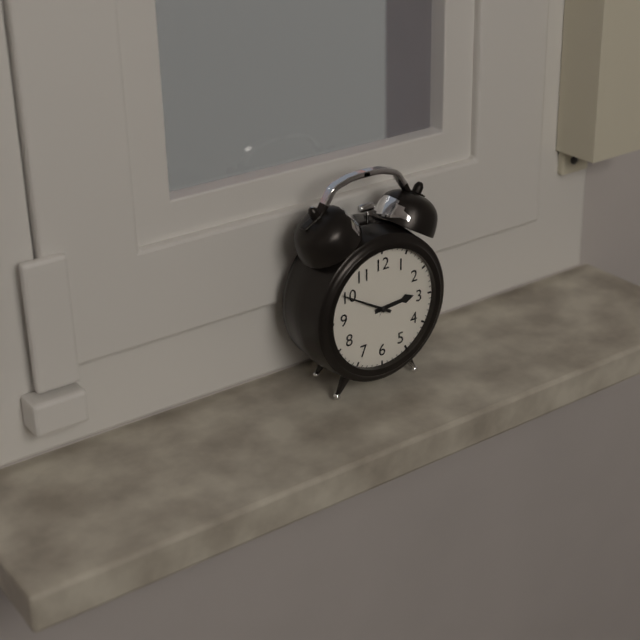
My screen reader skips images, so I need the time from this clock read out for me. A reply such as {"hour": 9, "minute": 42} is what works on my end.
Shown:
{"hour": 2, "minute": 50}
